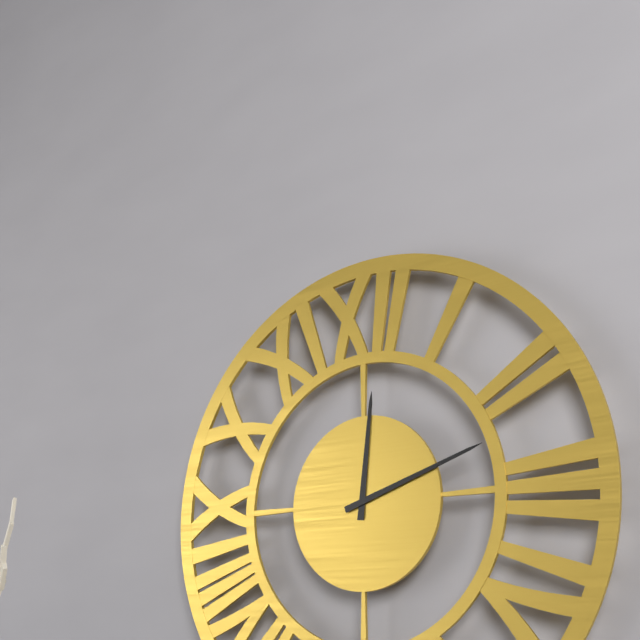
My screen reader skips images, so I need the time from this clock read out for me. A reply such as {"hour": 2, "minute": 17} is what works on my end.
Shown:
{"hour": 12, "minute": 12}
